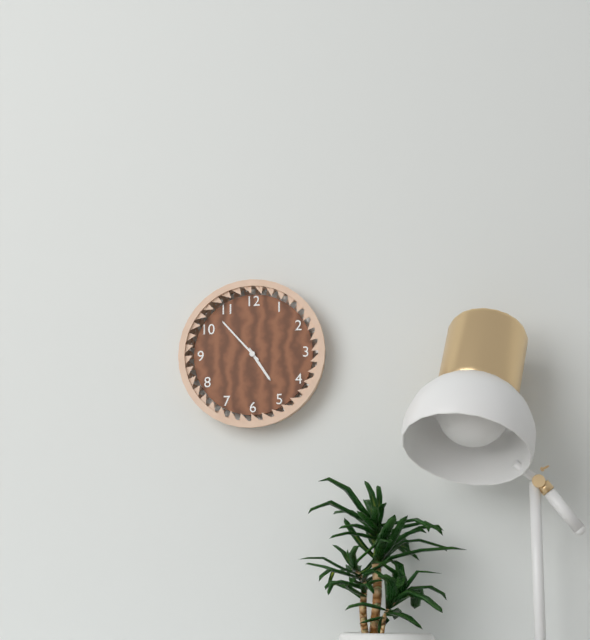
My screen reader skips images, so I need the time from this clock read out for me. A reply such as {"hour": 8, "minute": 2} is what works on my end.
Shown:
{"hour": 4, "minute": 53}
